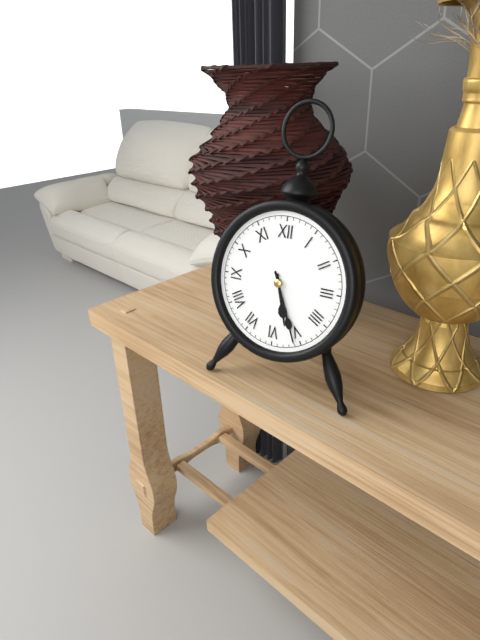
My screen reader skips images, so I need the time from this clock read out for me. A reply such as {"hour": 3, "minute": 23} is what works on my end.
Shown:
{"hour": 5, "minute": 26}
